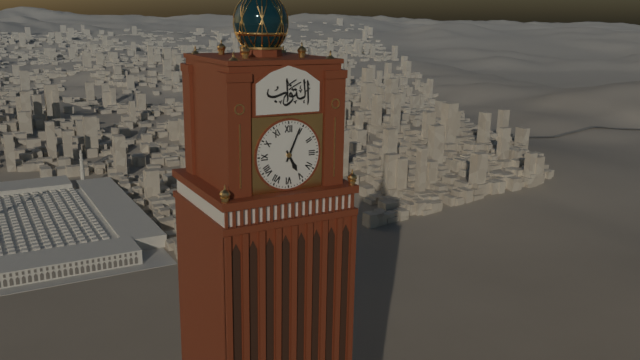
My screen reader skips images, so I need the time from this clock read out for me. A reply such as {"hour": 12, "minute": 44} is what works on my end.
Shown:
{"hour": 5, "minute": 4}
